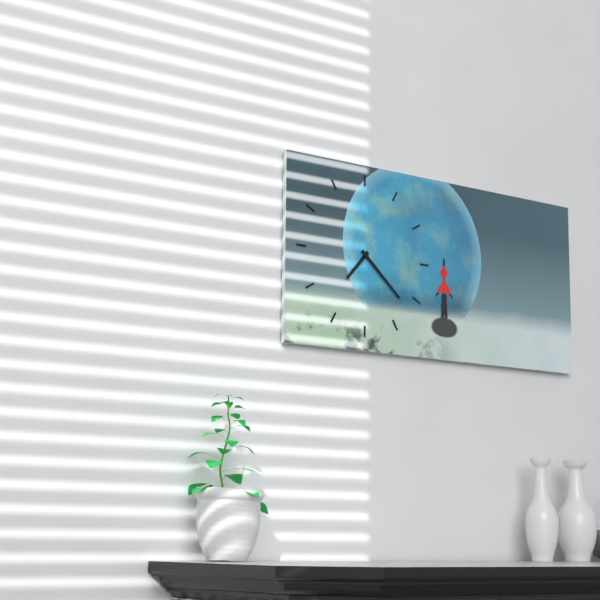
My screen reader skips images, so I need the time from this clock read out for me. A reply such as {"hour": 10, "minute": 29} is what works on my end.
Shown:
{"hour": 7, "minute": 22}
